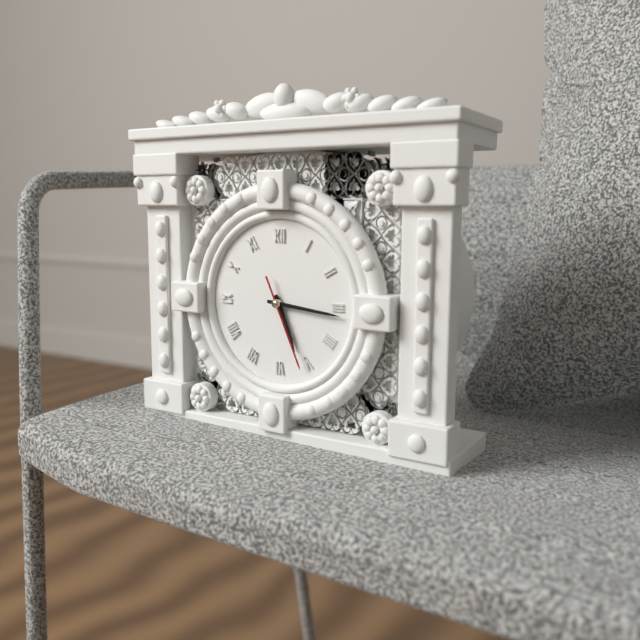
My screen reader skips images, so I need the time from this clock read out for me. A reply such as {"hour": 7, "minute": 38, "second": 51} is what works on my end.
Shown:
{"hour": 5, "minute": 16, "second": 26}
